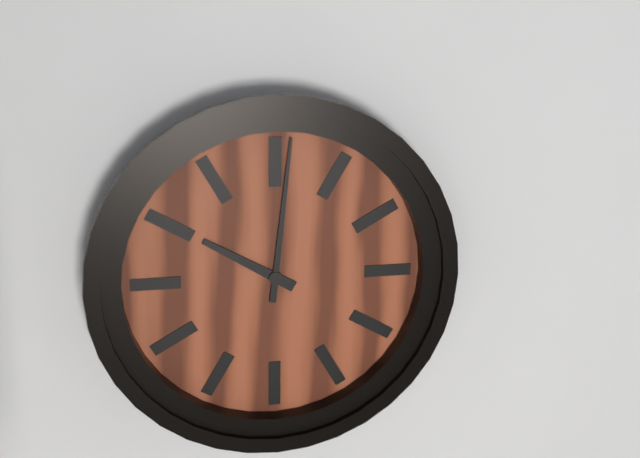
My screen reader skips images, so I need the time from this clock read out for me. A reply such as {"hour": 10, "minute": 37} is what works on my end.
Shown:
{"hour": 10, "minute": 1}
